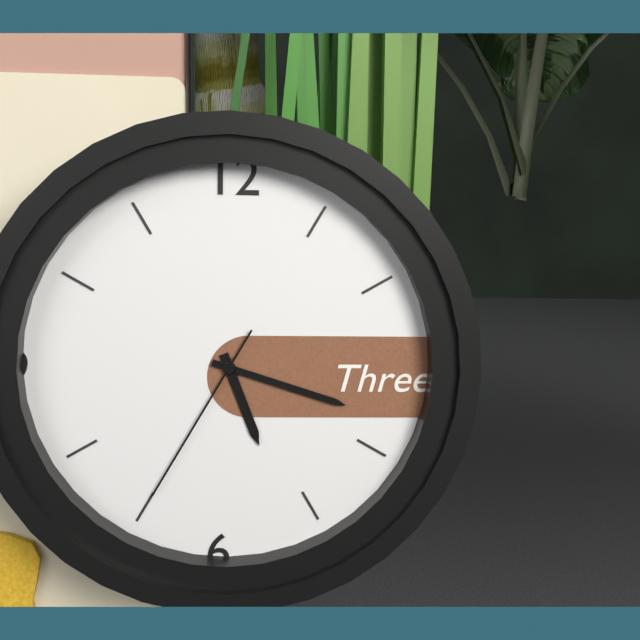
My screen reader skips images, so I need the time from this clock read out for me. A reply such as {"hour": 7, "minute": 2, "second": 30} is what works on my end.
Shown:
{"hour": 5, "minute": 18, "second": 35}
